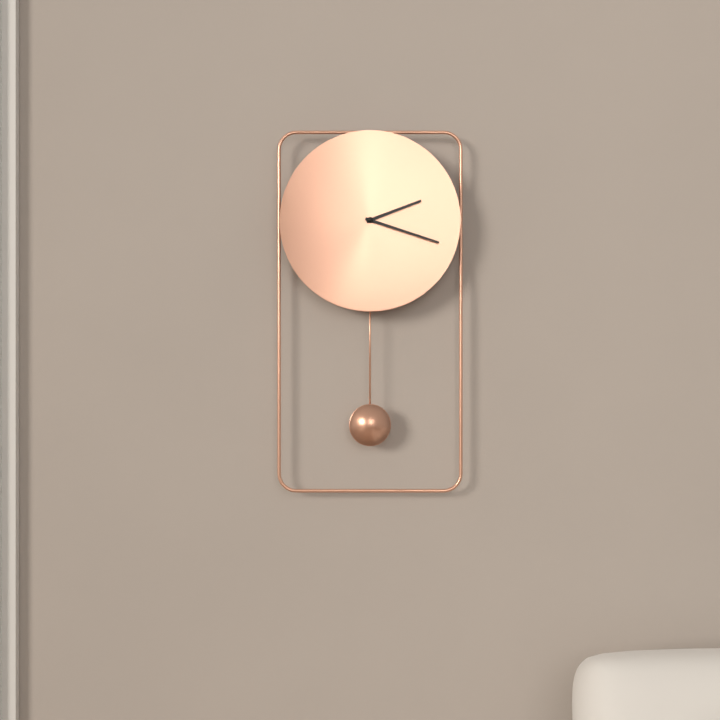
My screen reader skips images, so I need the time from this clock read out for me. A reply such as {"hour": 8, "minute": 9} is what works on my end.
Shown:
{"hour": 2, "minute": 18}
